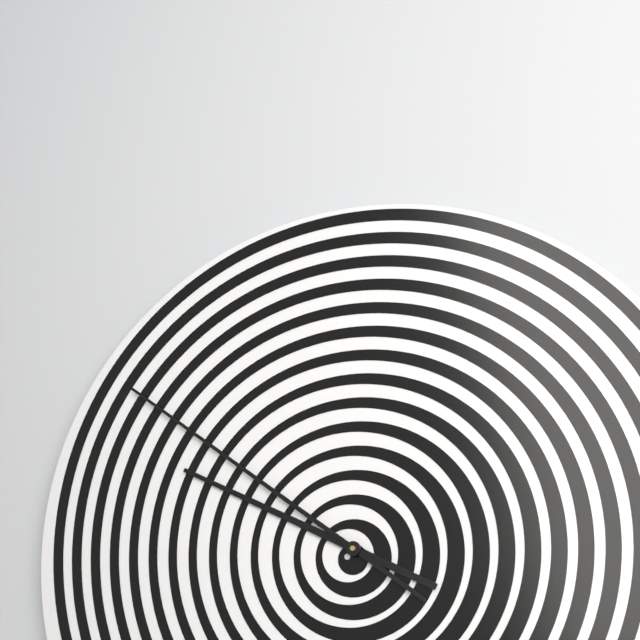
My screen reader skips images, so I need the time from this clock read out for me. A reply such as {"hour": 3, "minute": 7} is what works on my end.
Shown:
{"hour": 9, "minute": 51}
